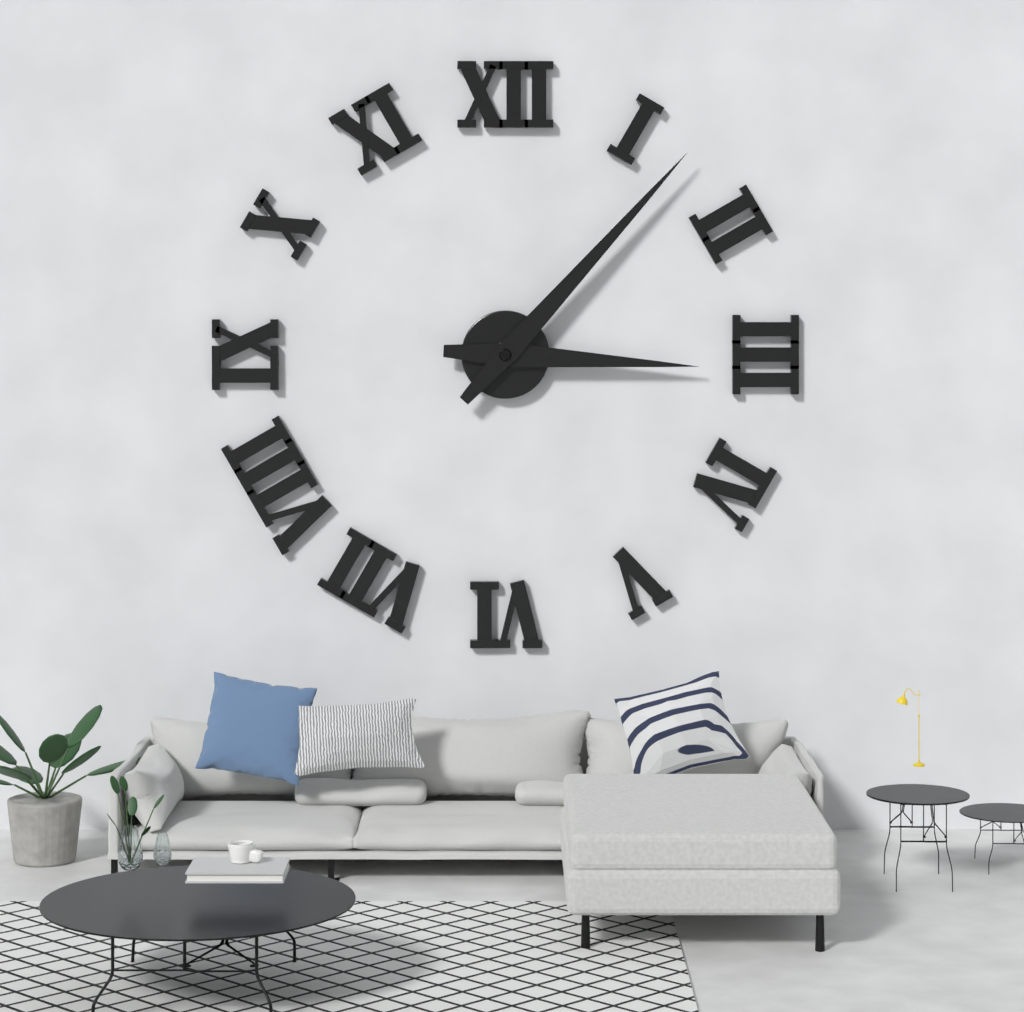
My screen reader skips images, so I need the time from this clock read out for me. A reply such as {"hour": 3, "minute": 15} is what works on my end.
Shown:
{"hour": 3, "minute": 7}
